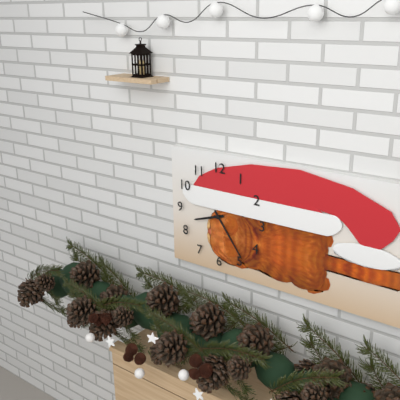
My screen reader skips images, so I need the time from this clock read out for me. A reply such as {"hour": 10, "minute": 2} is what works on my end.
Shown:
{"hour": 8, "minute": 24}
